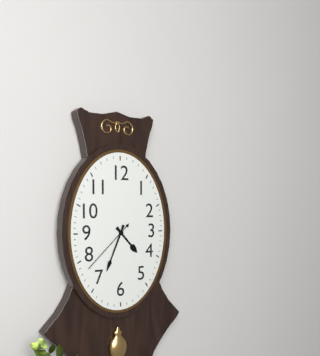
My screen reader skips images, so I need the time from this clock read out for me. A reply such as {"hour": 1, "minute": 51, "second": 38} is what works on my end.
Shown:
{"hour": 4, "minute": 34, "second": 38}
